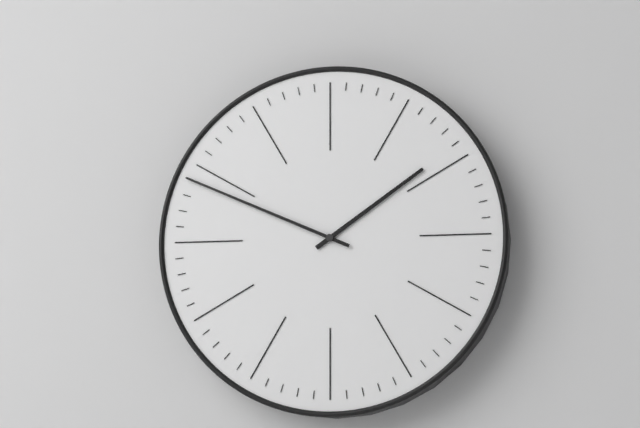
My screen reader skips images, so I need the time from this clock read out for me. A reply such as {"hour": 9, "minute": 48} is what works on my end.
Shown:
{"hour": 1, "minute": 49}
